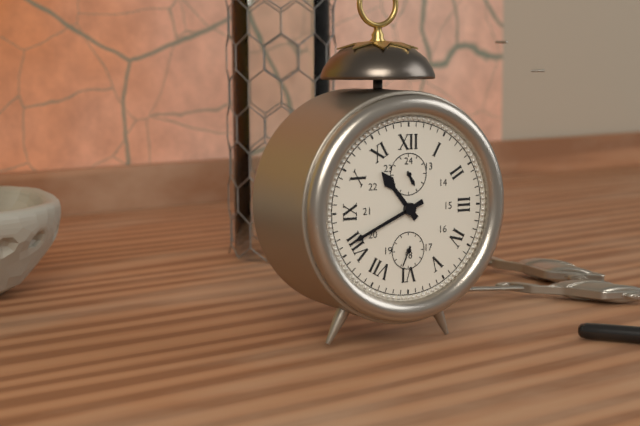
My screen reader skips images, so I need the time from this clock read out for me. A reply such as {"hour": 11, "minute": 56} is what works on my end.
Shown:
{"hour": 10, "minute": 41}
